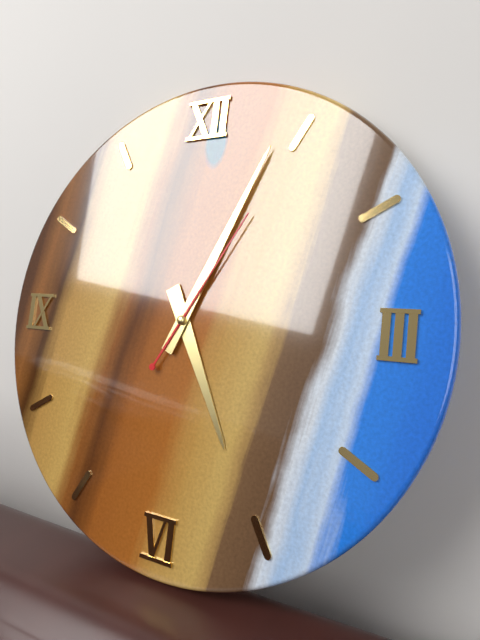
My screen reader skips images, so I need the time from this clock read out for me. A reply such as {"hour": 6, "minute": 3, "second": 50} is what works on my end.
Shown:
{"hour": 5, "minute": 4, "second": 5}
